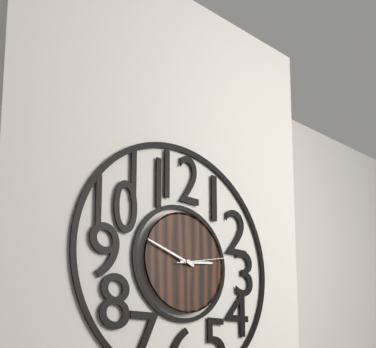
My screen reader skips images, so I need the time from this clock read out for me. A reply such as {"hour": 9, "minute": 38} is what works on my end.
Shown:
{"hour": 2, "minute": 48}
